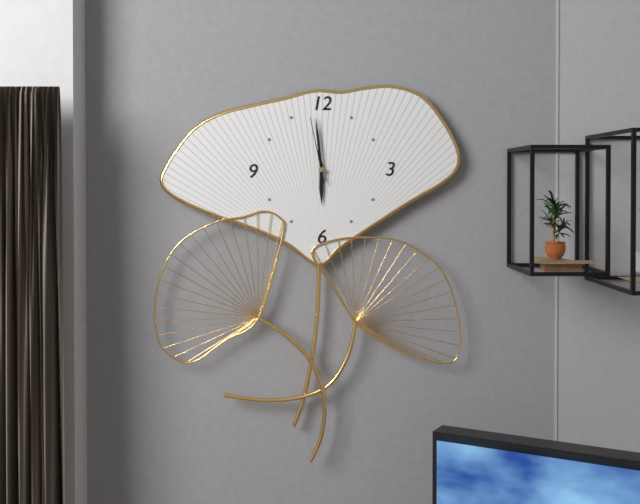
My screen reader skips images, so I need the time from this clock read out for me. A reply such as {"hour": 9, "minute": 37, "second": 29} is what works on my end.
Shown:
{"hour": 5, "minute": 59, "second": 58}
